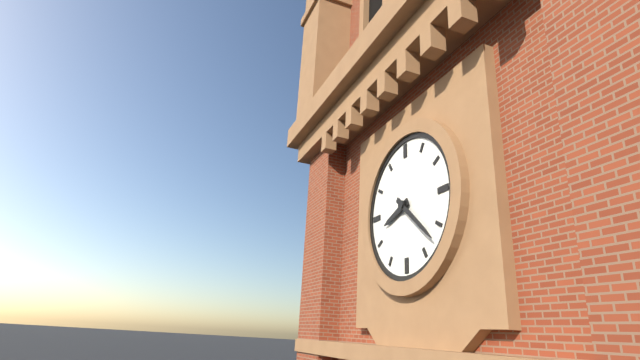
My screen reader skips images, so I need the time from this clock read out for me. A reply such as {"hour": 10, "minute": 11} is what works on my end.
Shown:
{"hour": 8, "minute": 22}
